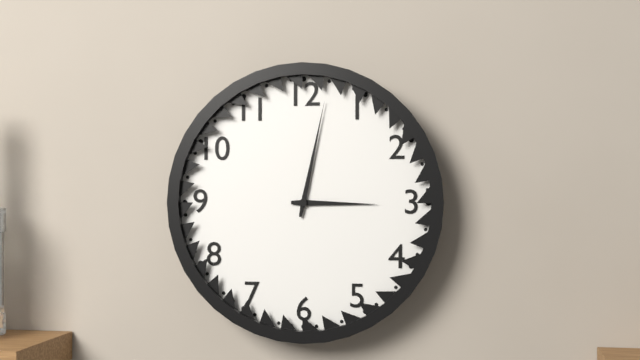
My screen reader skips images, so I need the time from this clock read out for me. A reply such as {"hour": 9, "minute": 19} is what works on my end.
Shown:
{"hour": 3, "minute": 2}
